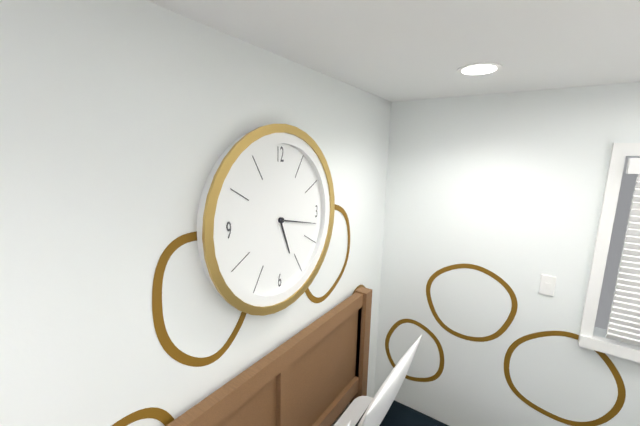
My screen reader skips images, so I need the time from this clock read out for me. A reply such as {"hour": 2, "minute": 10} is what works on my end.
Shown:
{"hour": 5, "minute": 17}
